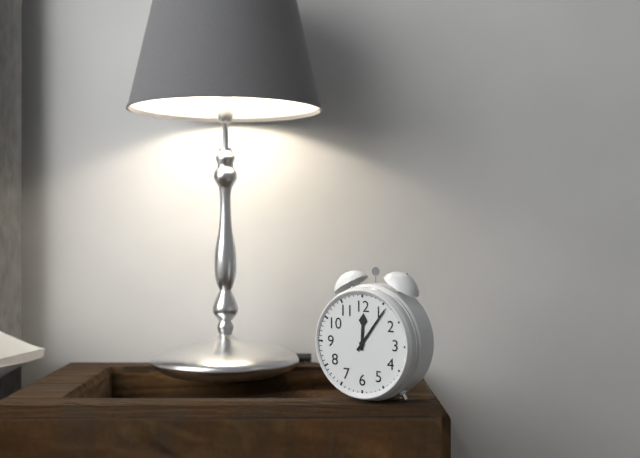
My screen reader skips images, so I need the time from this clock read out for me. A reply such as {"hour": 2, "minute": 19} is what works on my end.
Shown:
{"hour": 12, "minute": 6}
